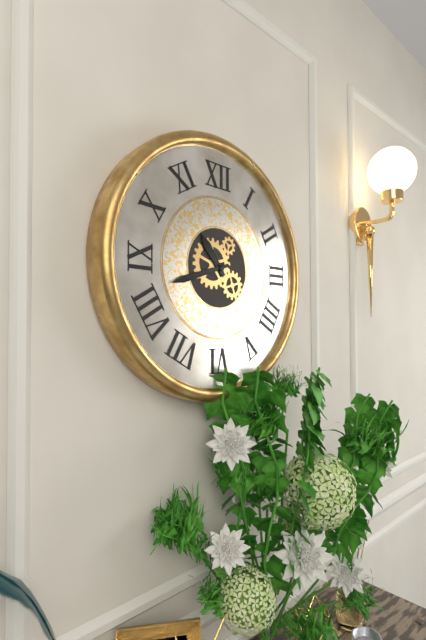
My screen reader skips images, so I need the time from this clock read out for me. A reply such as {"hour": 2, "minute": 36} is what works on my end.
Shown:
{"hour": 10, "minute": 42}
